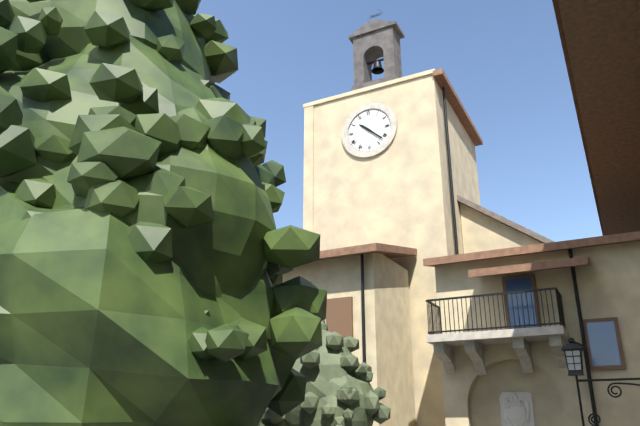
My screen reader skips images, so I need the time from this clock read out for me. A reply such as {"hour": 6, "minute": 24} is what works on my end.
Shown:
{"hour": 10, "minute": 22}
